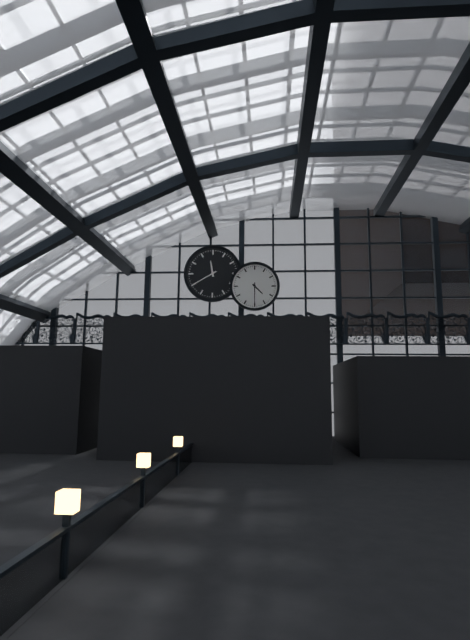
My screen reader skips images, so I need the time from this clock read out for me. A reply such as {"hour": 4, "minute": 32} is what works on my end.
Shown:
{"hour": 4, "minute": 30}
